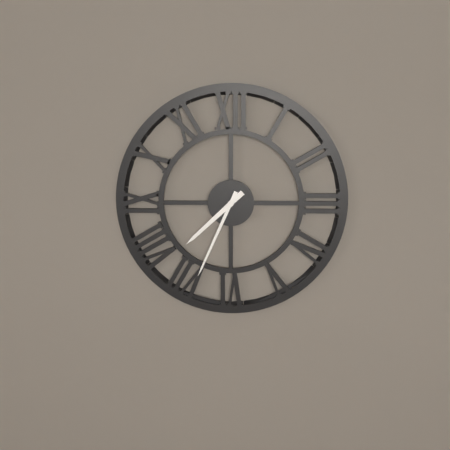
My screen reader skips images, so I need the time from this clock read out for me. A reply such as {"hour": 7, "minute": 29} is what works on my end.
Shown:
{"hour": 7, "minute": 34}
